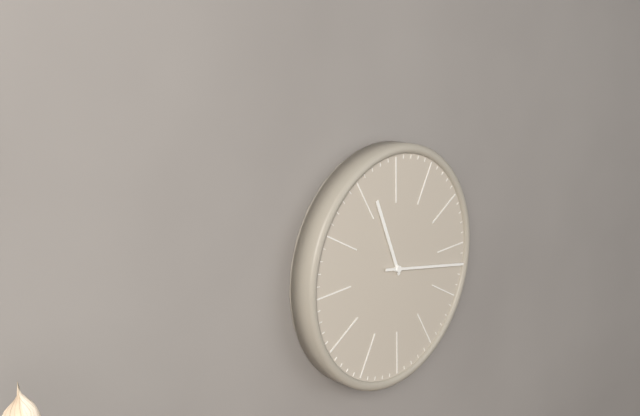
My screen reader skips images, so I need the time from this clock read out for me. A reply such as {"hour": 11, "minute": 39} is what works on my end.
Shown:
{"hour": 11, "minute": 17}
